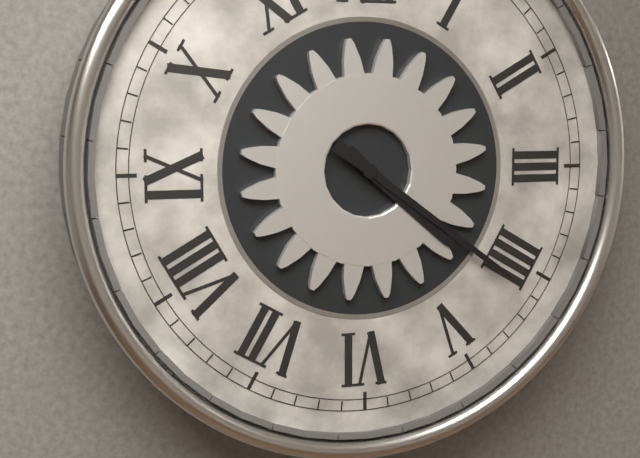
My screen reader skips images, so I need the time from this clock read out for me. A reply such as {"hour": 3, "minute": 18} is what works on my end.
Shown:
{"hour": 4, "minute": 21}
